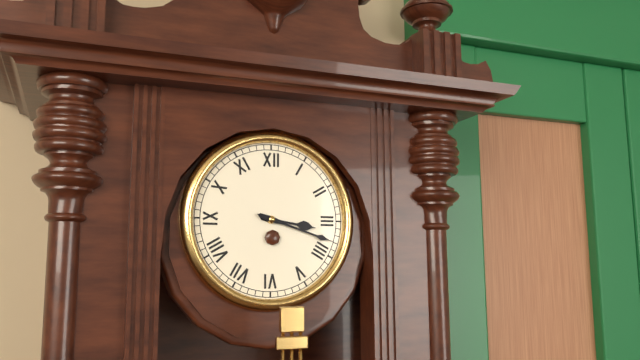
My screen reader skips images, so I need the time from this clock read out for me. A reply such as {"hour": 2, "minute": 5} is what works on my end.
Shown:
{"hour": 3, "minute": 18}
